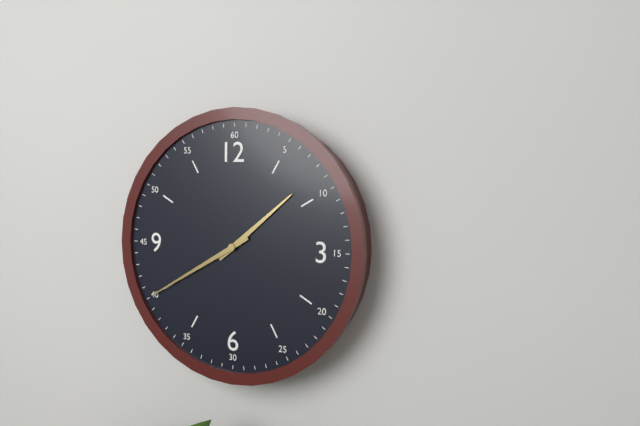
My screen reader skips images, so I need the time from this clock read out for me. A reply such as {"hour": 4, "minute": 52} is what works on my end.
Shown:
{"hour": 1, "minute": 40}
